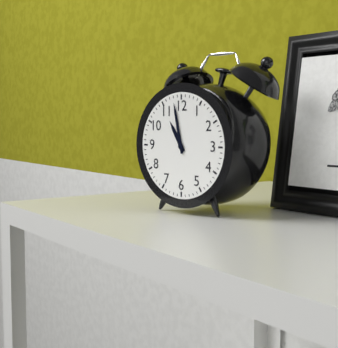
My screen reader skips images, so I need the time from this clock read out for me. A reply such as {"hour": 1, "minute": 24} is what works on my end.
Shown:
{"hour": 10, "minute": 58}
